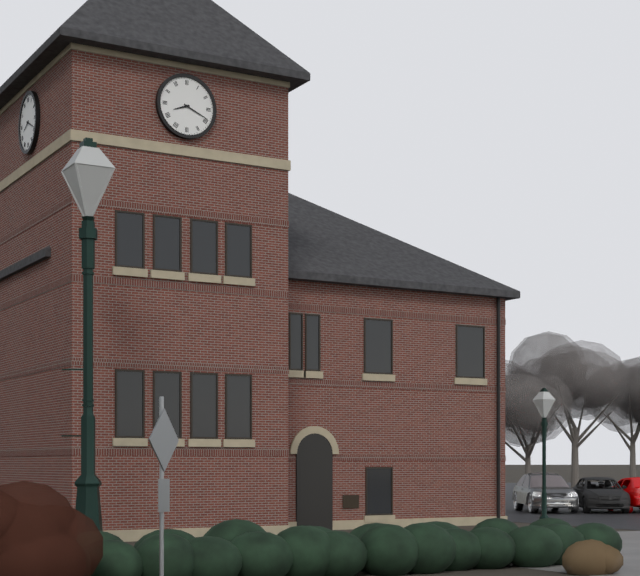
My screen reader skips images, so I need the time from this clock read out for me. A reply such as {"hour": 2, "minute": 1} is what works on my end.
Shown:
{"hour": 8, "minute": 19}
